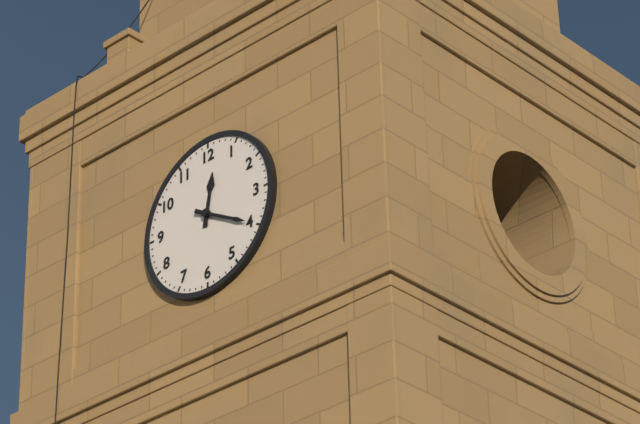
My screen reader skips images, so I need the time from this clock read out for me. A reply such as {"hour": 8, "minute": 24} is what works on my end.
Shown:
{"hour": 12, "minute": 20}
